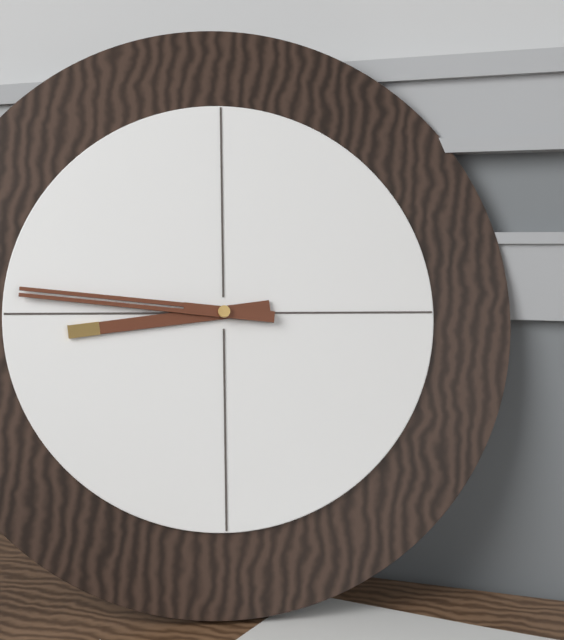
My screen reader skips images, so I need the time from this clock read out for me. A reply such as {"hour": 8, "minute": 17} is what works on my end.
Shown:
{"hour": 8, "minute": 46}
